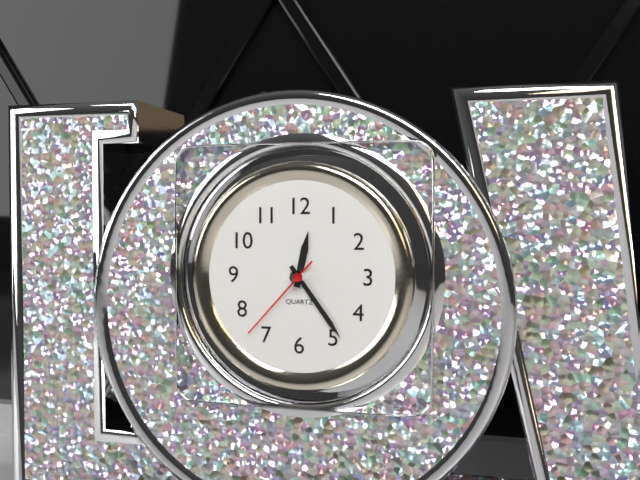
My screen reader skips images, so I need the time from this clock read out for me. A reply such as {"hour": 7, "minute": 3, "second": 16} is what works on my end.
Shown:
{"hour": 12, "minute": 24, "second": 37}
